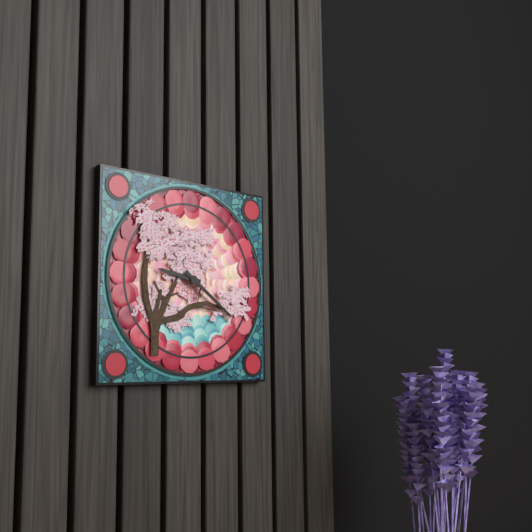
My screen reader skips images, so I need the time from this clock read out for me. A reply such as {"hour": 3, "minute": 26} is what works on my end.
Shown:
{"hour": 9, "minute": 21}
